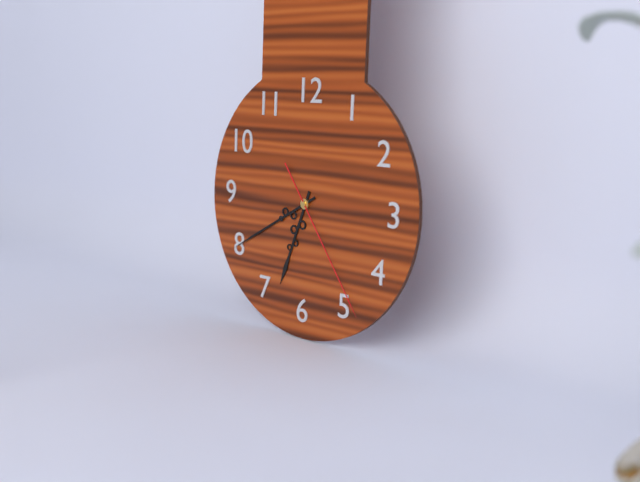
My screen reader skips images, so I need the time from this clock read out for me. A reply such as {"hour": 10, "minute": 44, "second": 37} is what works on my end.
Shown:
{"hour": 6, "minute": 40, "second": 24}
